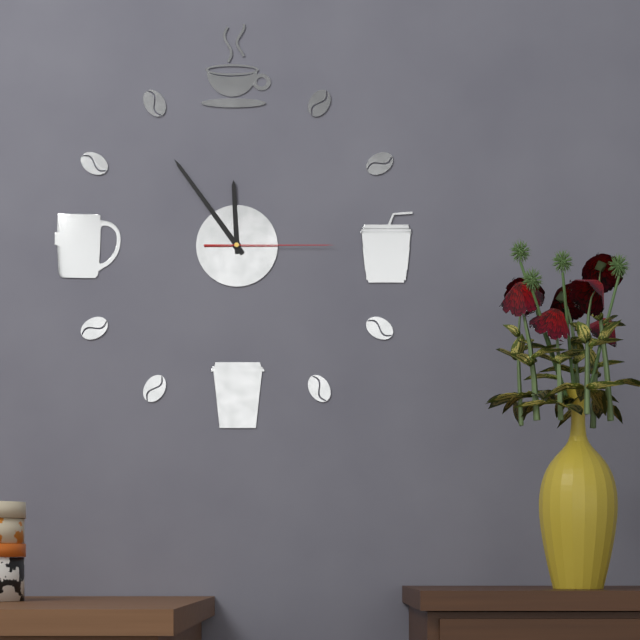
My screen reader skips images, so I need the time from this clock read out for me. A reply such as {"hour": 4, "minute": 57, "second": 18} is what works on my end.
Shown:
{"hour": 11, "minute": 54, "second": 15}
